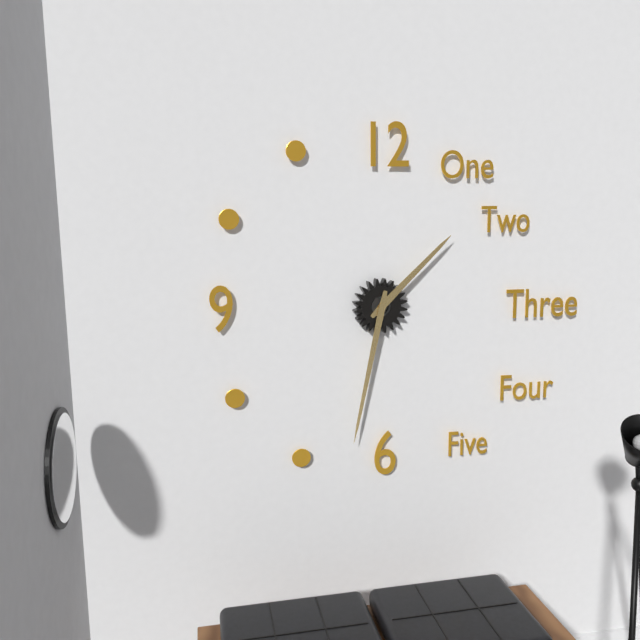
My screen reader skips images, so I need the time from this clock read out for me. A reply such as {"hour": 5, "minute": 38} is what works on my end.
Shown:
{"hour": 1, "minute": 32}
